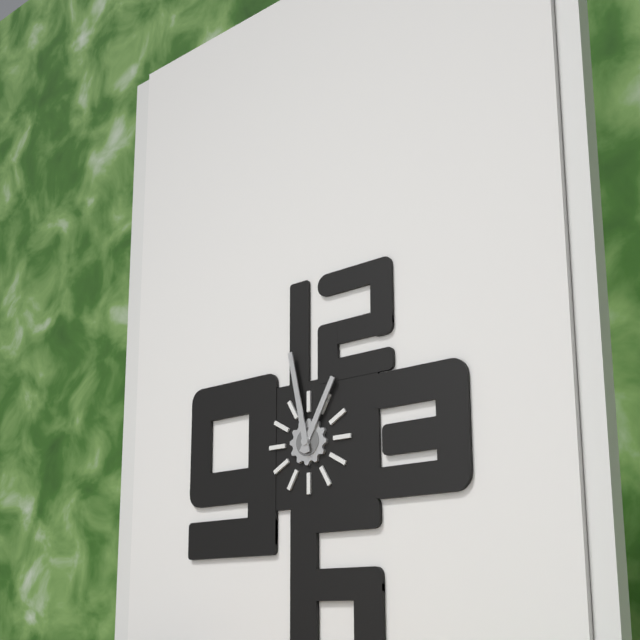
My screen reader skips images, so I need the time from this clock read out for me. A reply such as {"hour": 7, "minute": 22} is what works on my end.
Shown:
{"hour": 12, "minute": 58}
